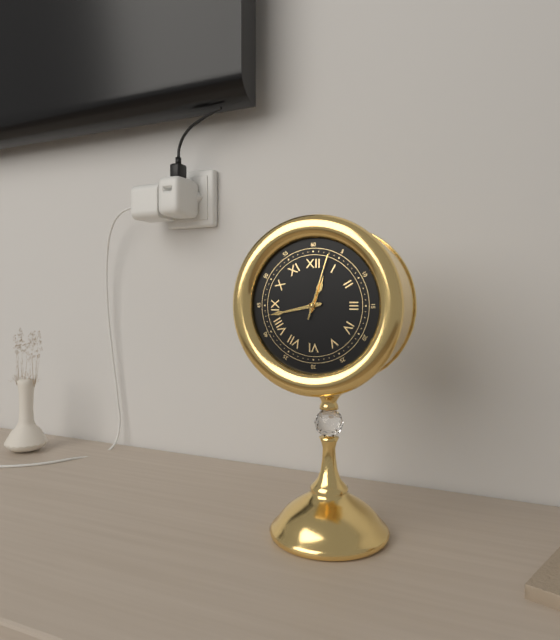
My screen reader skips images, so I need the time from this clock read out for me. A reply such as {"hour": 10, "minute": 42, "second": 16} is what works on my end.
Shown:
{"hour": 12, "minute": 43, "second": 3}
